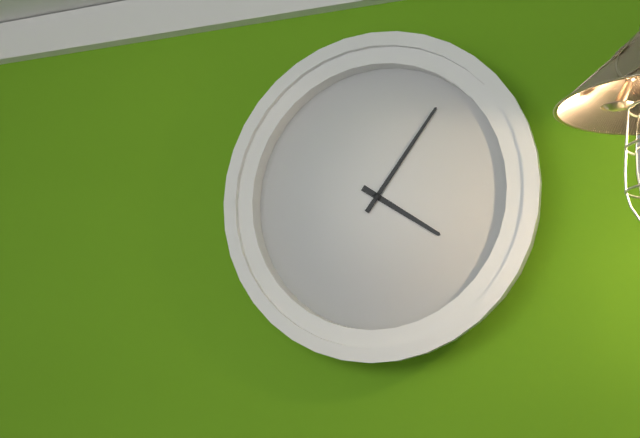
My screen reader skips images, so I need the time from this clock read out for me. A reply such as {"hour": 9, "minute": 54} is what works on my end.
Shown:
{"hour": 4, "minute": 6}
